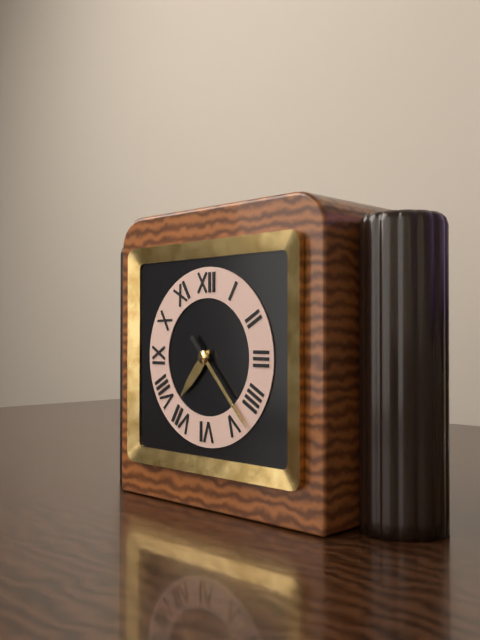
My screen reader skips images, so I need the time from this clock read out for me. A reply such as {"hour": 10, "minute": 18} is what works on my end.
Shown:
{"hour": 7, "minute": 23}
